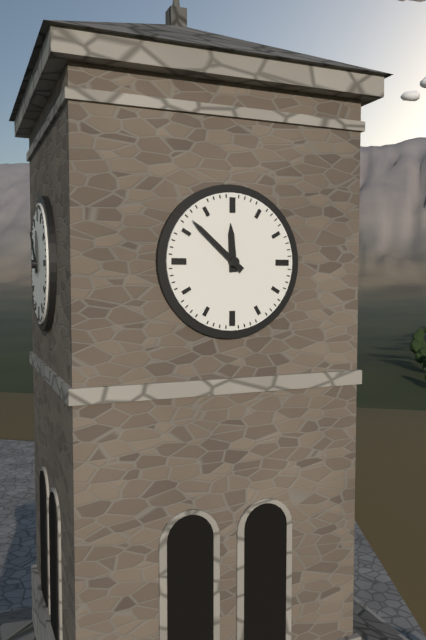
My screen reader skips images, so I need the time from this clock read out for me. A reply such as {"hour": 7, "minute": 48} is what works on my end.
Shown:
{"hour": 11, "minute": 52}
